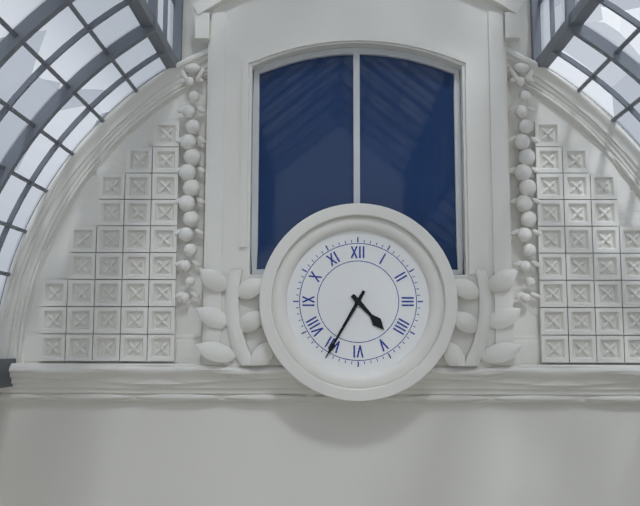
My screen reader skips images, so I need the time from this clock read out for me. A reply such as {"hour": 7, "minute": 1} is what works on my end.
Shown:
{"hour": 4, "minute": 35}
